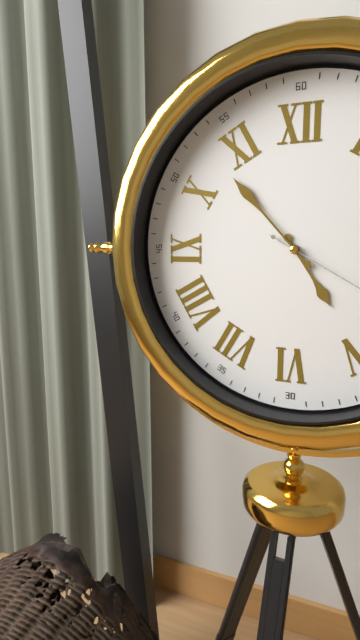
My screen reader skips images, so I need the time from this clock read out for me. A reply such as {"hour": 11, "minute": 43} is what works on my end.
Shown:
{"hour": 4, "minute": 53}
